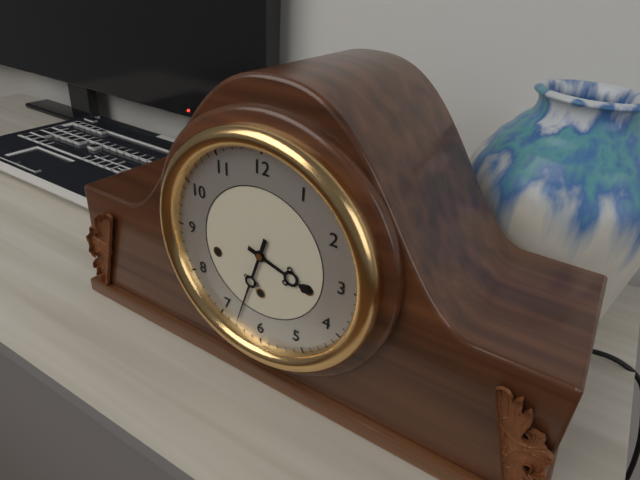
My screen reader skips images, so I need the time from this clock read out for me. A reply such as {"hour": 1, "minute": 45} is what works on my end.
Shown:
{"hour": 3, "minute": 33}
